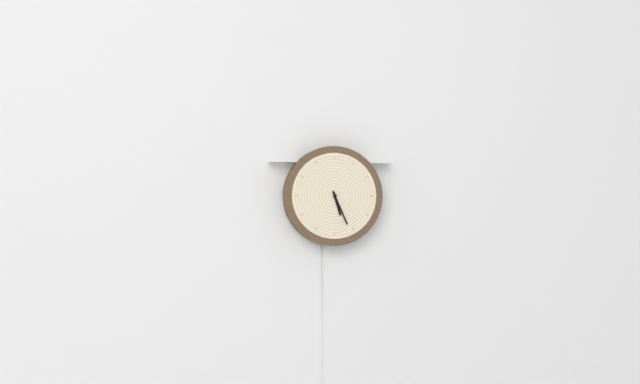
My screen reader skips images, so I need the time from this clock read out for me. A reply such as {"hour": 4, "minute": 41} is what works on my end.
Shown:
{"hour": 5, "minute": 26}
